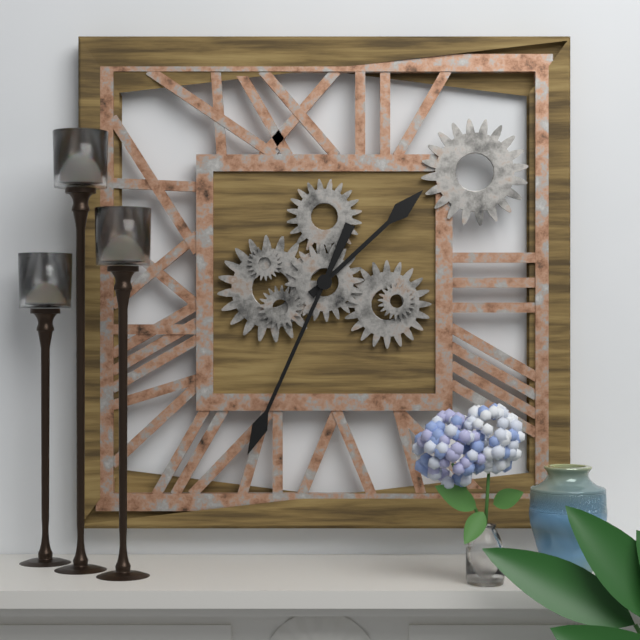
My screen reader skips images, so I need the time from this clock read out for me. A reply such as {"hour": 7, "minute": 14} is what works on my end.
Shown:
{"hour": 1, "minute": 34}
